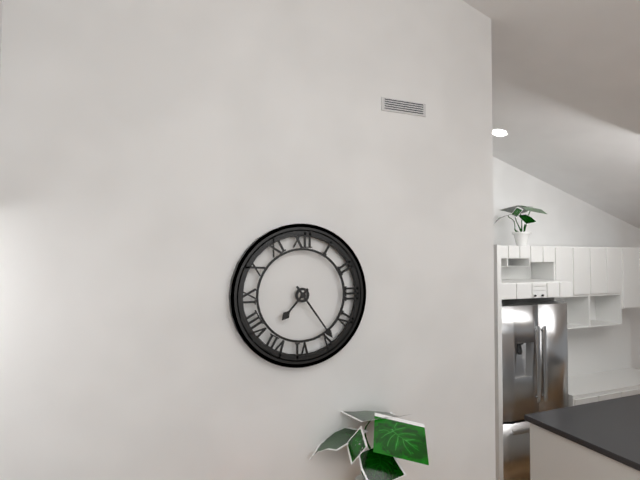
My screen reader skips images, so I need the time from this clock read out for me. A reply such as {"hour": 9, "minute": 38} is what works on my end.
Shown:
{"hour": 7, "minute": 24}
